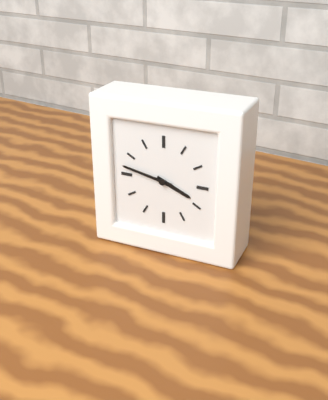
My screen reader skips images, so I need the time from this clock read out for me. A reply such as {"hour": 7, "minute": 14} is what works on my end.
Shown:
{"hour": 3, "minute": 47}
